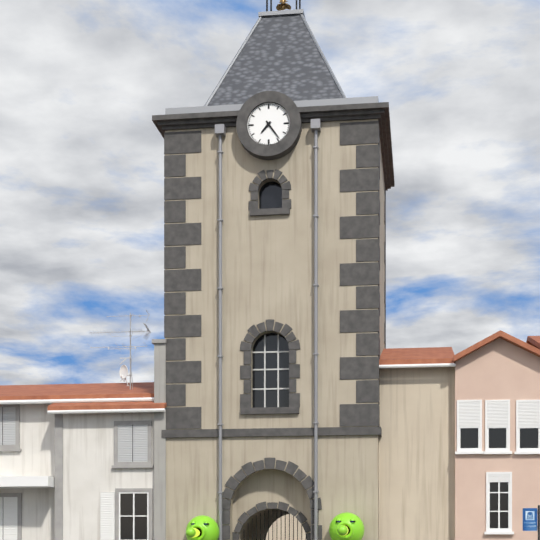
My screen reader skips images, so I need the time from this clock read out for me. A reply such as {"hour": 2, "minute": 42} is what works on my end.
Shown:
{"hour": 7, "minute": 24}
